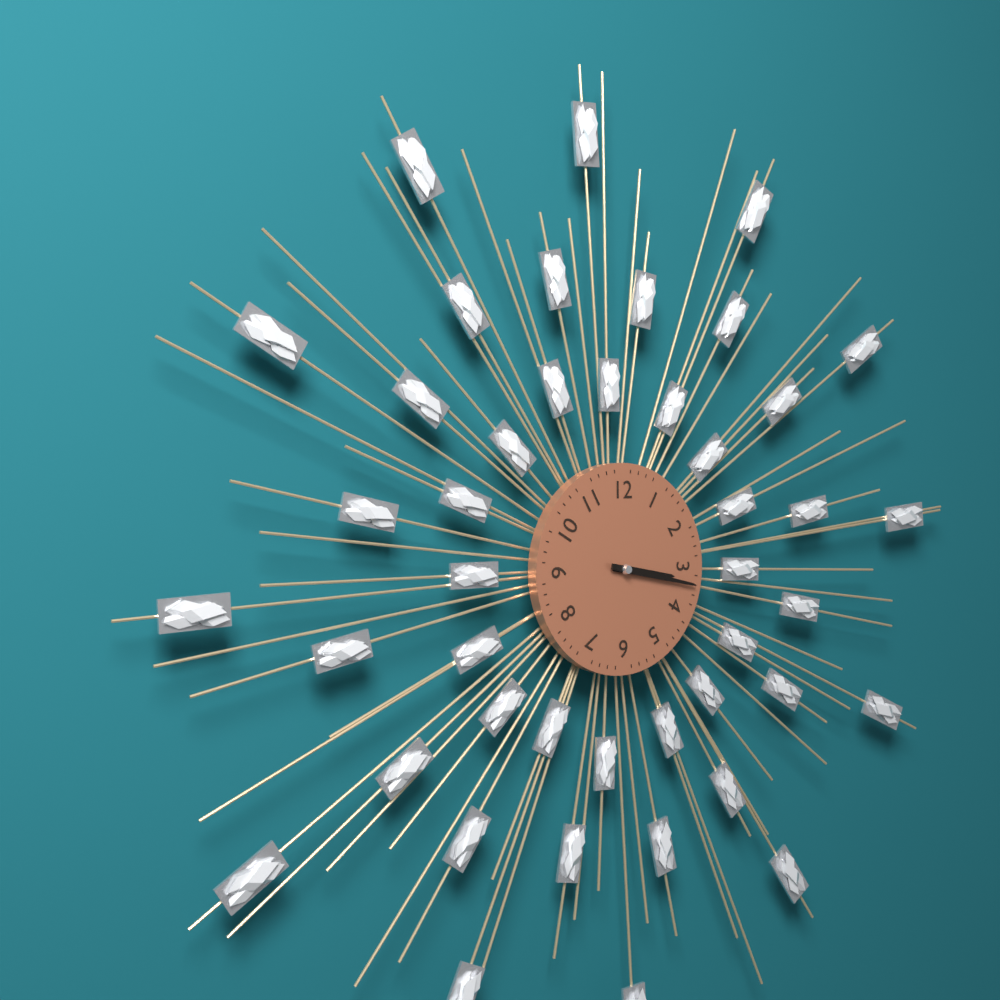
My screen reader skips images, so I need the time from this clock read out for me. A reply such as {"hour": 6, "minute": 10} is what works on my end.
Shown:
{"hour": 3, "minute": 17}
